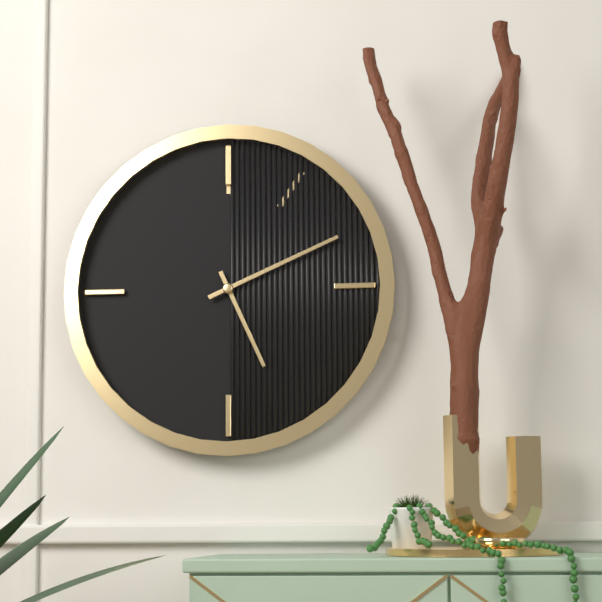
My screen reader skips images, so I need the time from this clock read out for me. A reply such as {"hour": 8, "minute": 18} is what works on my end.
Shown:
{"hour": 5, "minute": 11}
